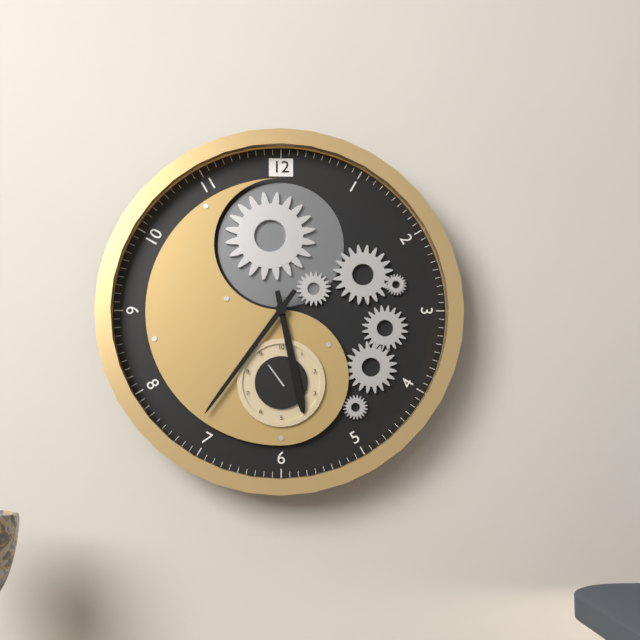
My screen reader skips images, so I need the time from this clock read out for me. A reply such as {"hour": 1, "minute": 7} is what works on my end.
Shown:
{"hour": 5, "minute": 36}
